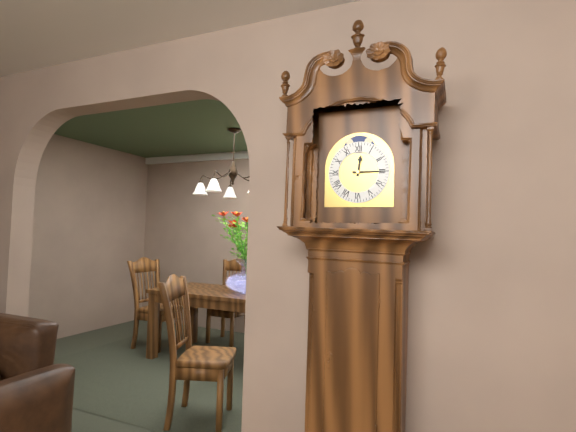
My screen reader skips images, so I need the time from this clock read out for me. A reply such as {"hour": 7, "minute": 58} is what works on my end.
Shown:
{"hour": 12, "minute": 15}
